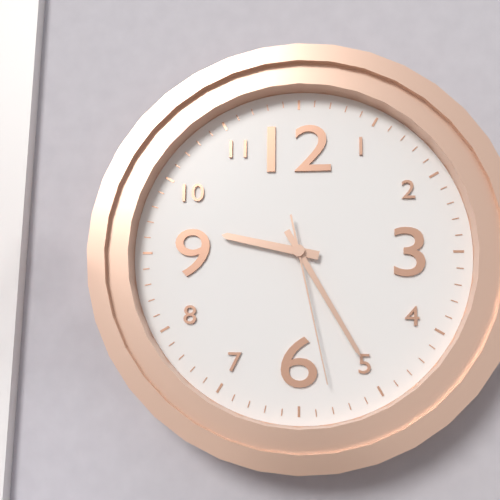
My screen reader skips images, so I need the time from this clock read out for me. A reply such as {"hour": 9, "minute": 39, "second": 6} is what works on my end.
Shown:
{"hour": 9, "minute": 25, "second": 28}
